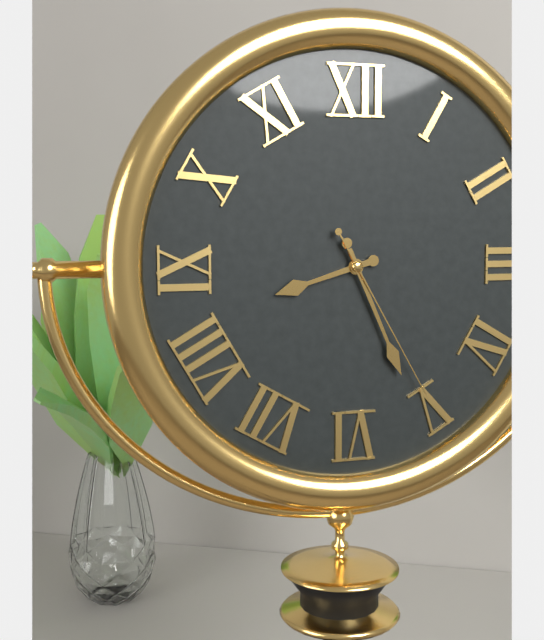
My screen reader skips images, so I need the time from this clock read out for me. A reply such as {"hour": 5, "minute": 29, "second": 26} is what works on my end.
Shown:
{"hour": 8, "minute": 26, "second": 25}
